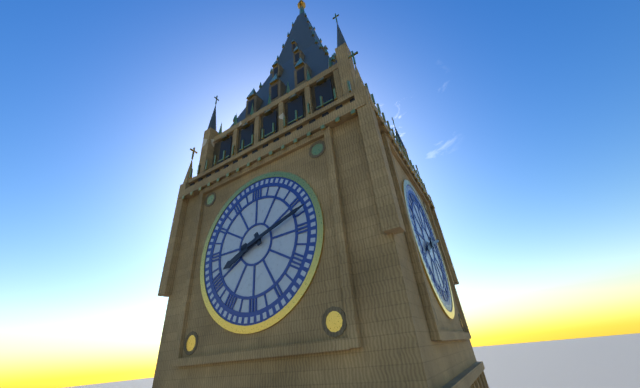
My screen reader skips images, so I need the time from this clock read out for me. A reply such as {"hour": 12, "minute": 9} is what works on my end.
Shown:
{"hour": 8, "minute": 12}
